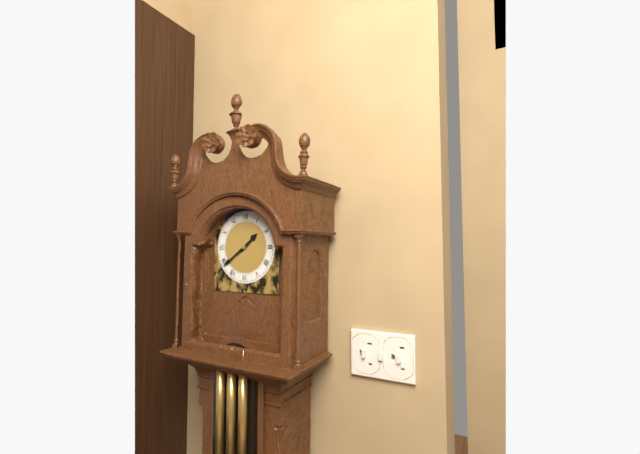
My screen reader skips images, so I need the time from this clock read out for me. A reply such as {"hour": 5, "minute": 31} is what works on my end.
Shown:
{"hour": 1, "minute": 39}
